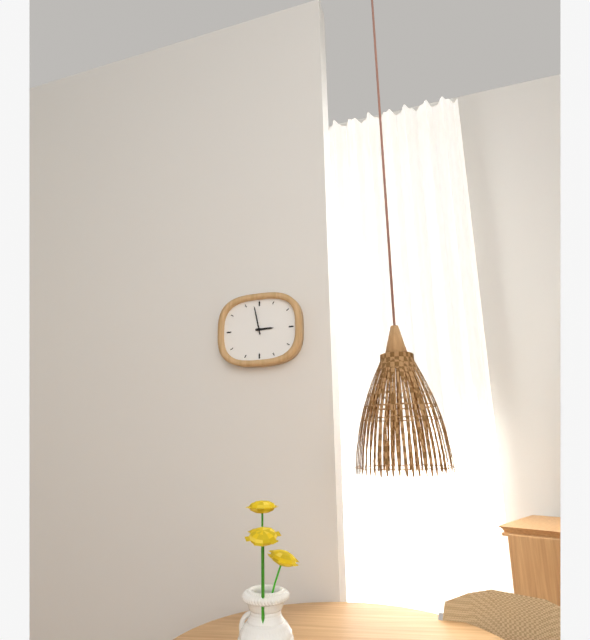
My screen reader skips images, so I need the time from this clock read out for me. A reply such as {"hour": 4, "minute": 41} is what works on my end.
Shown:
{"hour": 2, "minute": 58}
